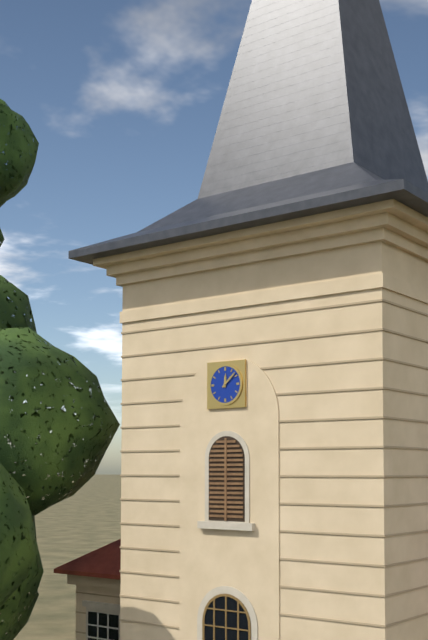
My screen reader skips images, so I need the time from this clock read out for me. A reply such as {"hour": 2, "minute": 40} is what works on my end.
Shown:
{"hour": 12, "minute": 8}
